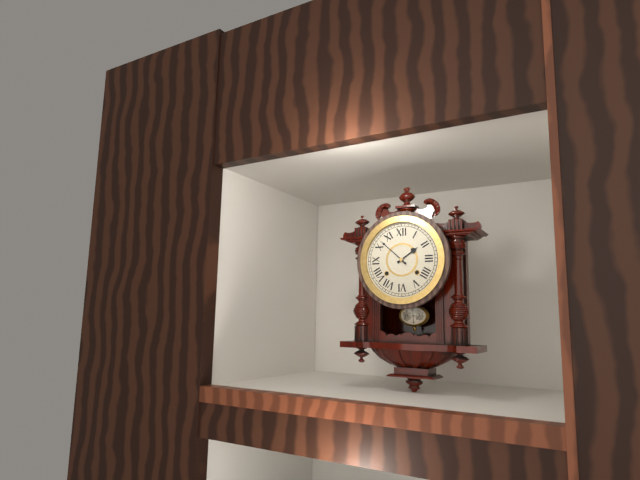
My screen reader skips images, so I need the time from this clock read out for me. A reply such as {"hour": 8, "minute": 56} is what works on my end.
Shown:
{"hour": 1, "minute": 52}
